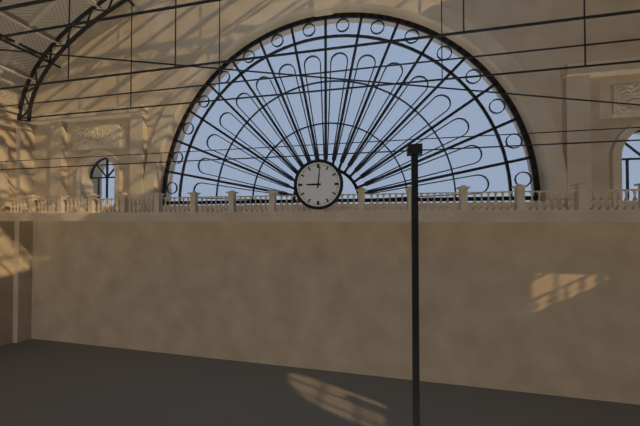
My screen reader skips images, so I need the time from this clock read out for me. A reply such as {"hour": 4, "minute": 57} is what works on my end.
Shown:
{"hour": 9, "minute": 1}
